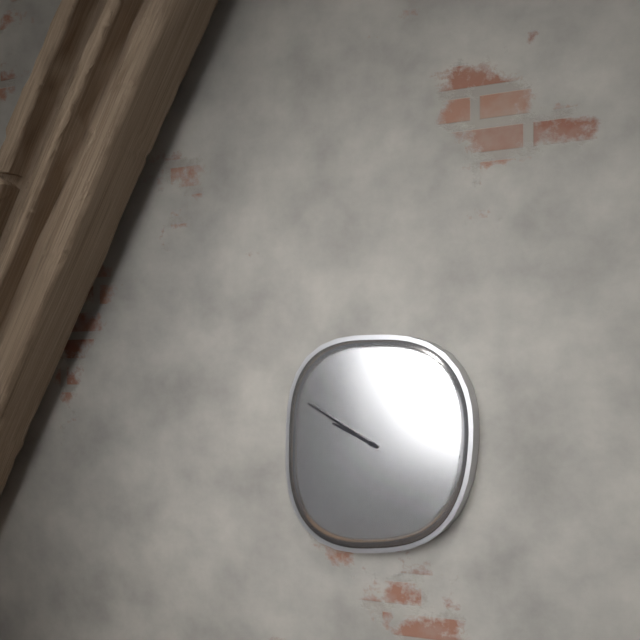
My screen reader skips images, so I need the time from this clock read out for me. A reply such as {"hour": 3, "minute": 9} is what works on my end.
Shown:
{"hour": 9, "minute": 50}
